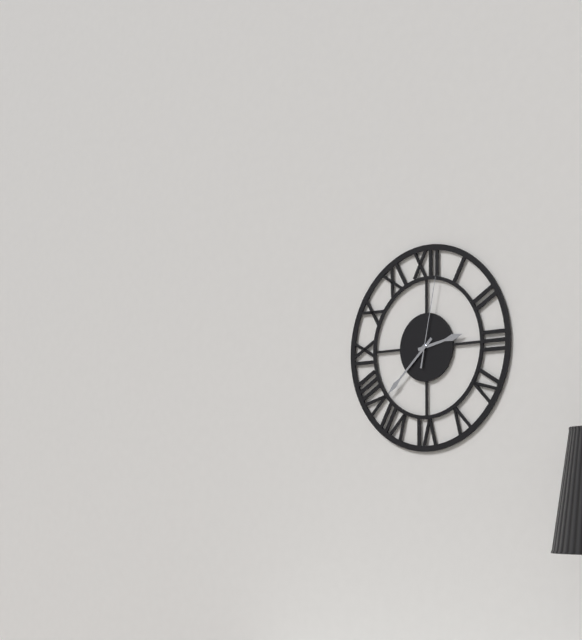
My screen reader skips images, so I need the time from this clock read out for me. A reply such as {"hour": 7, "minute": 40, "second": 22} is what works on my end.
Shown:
{"hour": 2, "minute": 38, "second": 2}
